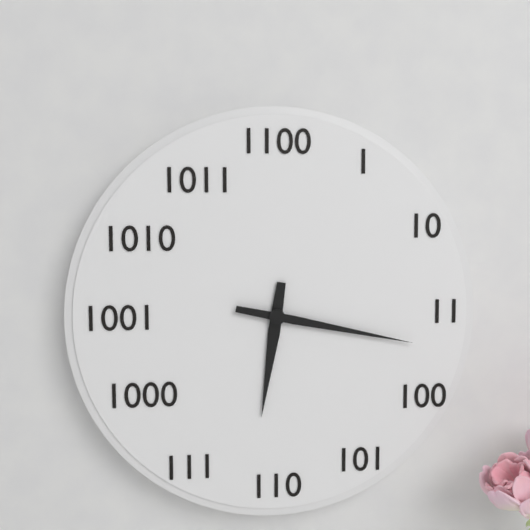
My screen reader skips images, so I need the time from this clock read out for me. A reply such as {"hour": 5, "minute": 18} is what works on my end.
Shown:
{"hour": 6, "minute": 17}
